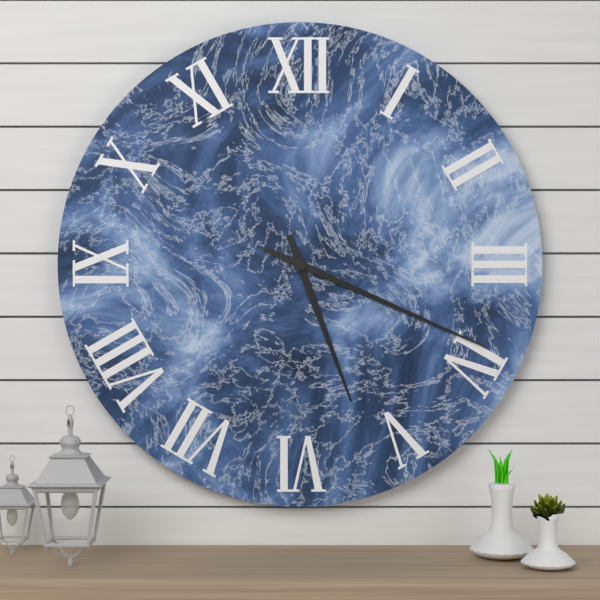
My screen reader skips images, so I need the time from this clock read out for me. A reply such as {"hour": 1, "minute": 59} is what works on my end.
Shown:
{"hour": 5, "minute": 19}
